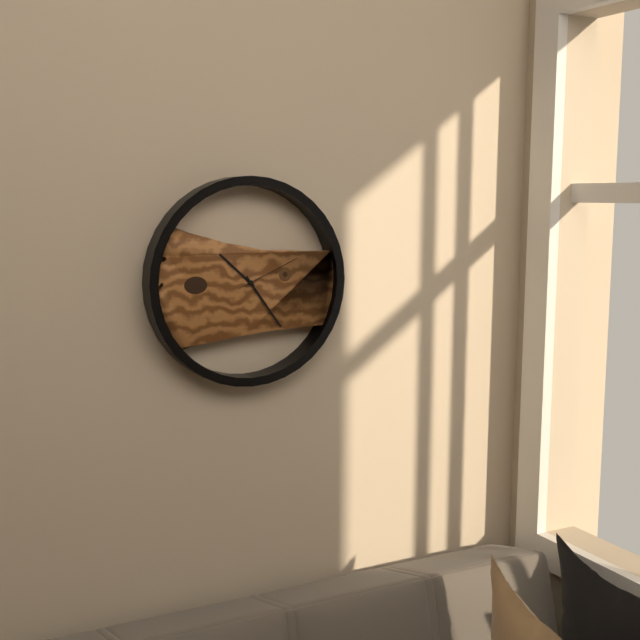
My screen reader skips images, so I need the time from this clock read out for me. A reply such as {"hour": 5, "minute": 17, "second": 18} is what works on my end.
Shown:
{"hour": 10, "minute": 24, "second": 11}
